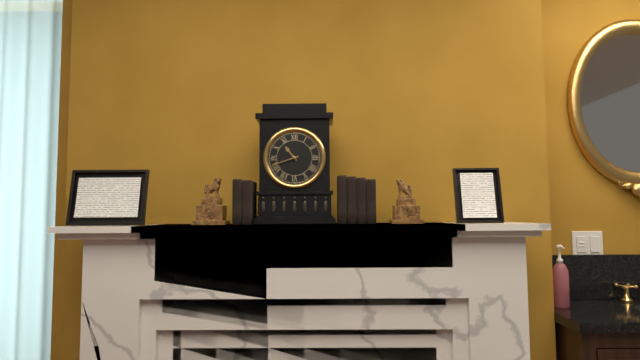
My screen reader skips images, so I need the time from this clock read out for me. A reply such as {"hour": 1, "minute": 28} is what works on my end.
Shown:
{"hour": 10, "minute": 42}
